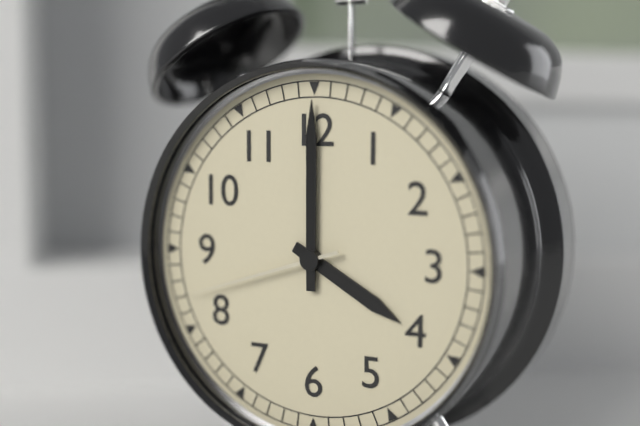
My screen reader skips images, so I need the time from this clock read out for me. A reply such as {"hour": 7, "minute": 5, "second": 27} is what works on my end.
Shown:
{"hour": 4, "minute": 0, "second": 42}
